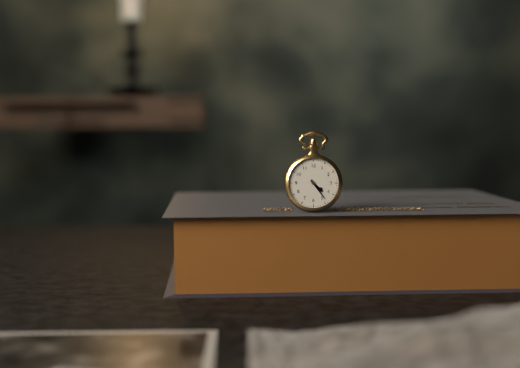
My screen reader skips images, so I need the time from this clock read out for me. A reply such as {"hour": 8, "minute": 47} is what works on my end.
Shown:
{"hour": 4, "minute": 24}
